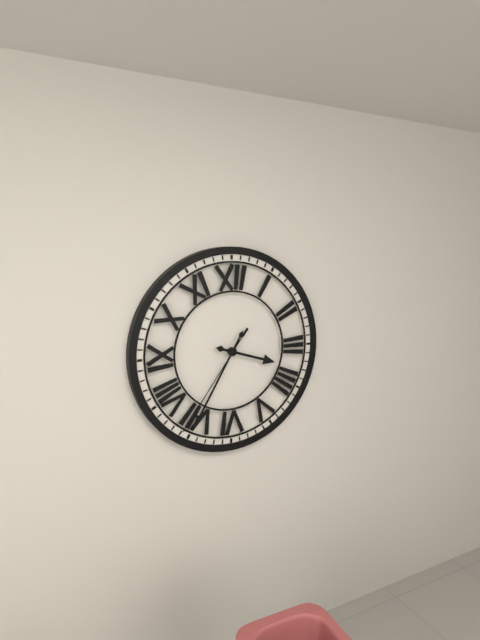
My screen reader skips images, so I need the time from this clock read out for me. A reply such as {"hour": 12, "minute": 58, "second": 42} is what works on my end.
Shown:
{"hour": 3, "minute": 35, "second": 36}
